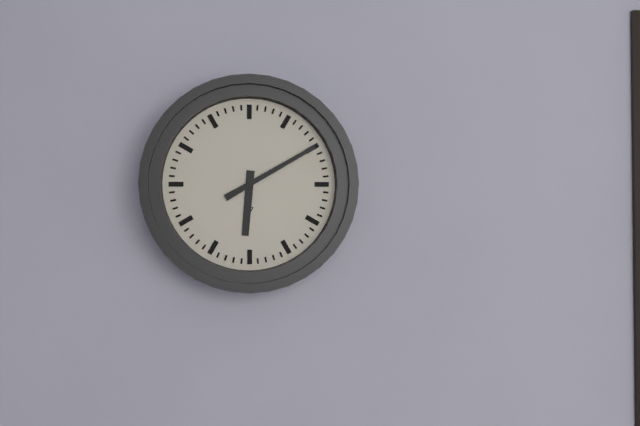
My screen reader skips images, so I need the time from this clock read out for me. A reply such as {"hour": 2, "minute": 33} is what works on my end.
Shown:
{"hour": 6, "minute": 10}
